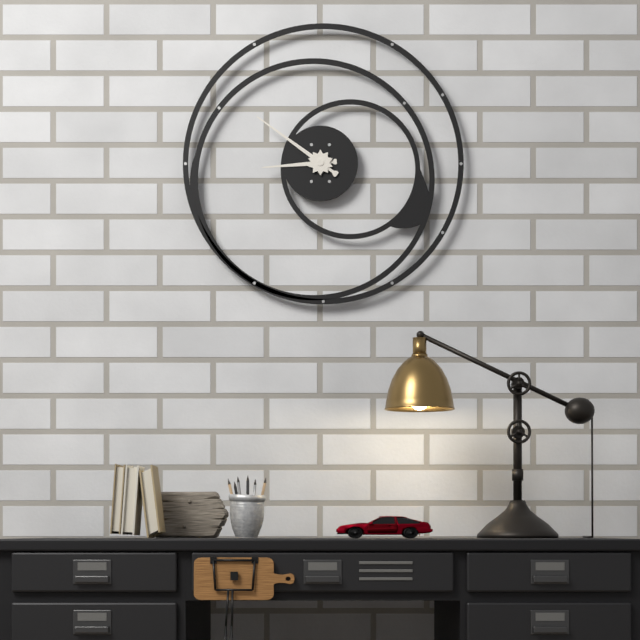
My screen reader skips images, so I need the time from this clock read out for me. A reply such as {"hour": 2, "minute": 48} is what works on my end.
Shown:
{"hour": 8, "minute": 51}
